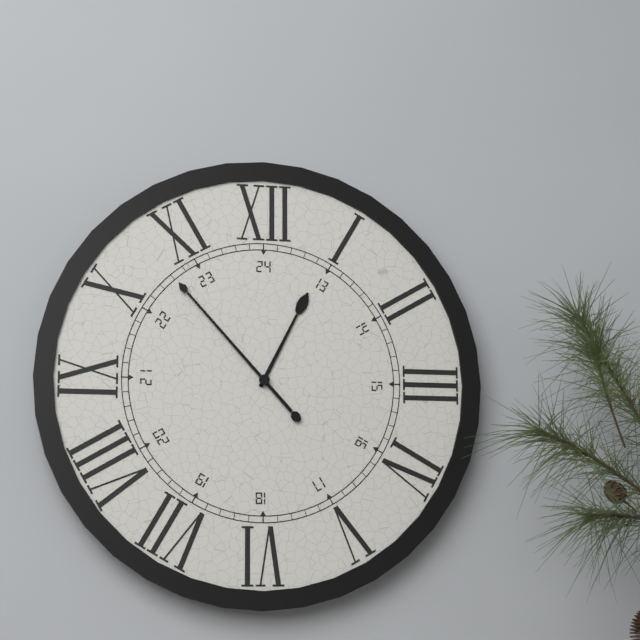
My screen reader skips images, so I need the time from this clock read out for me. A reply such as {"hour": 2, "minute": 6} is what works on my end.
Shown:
{"hour": 12, "minute": 53}
